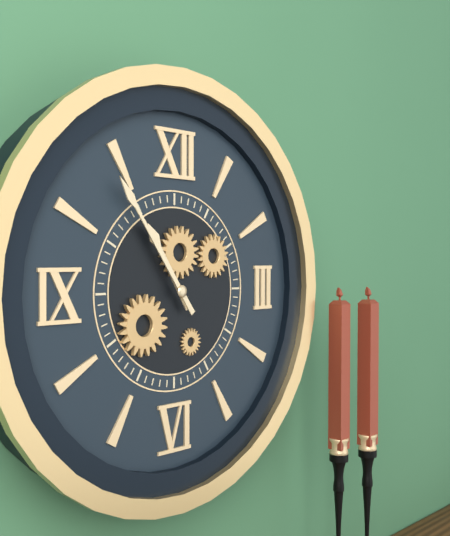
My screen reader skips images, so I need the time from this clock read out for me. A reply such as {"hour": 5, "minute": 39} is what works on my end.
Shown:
{"hour": 10, "minute": 54}
